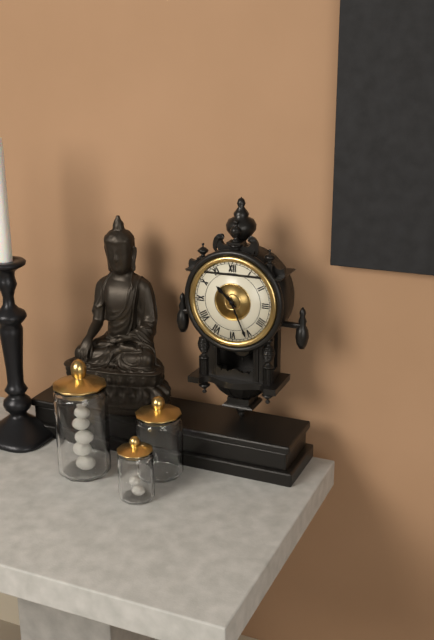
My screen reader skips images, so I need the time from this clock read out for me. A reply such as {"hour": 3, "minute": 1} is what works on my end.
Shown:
{"hour": 10, "minute": 26}
